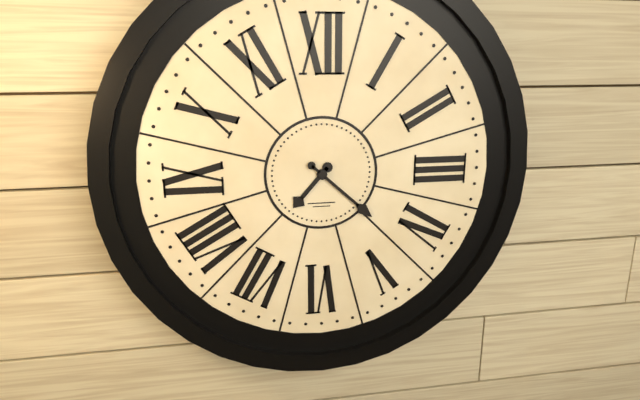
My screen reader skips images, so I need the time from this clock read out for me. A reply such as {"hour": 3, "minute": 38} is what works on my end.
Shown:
{"hour": 7, "minute": 22}
